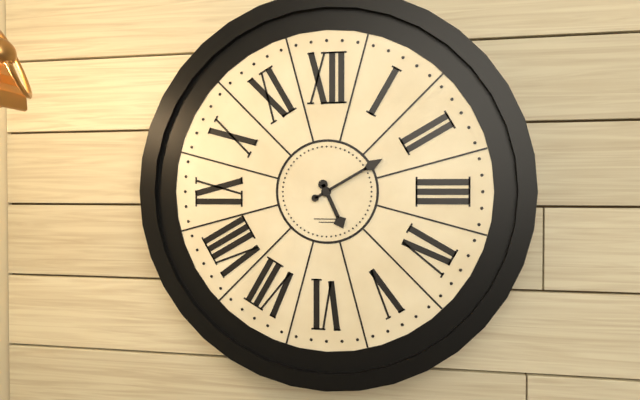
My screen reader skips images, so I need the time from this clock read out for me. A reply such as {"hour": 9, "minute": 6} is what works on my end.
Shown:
{"hour": 5, "minute": 10}
